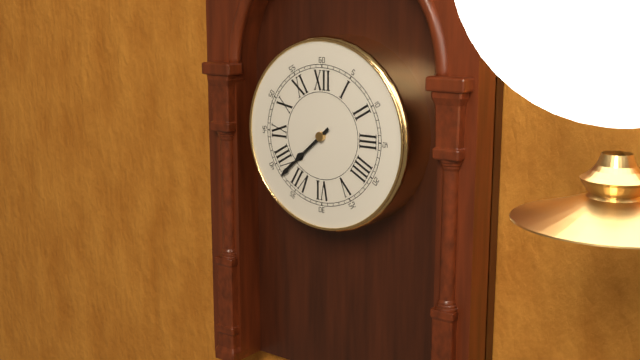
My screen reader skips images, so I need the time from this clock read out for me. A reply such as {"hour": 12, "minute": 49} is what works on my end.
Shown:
{"hour": 7, "minute": 38}
